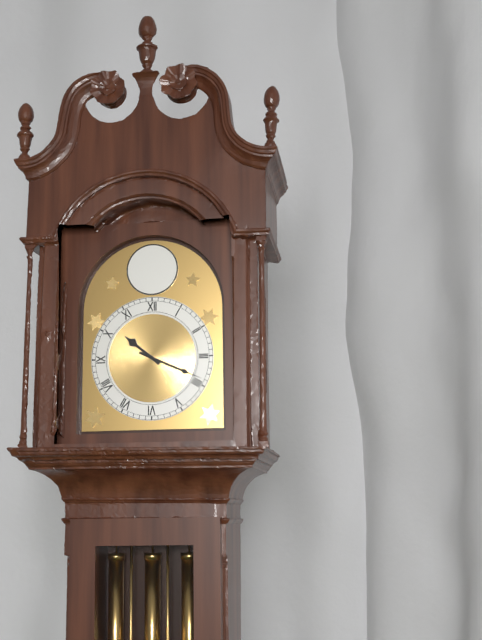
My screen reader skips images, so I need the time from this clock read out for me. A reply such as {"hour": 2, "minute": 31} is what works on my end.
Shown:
{"hour": 10, "minute": 19}
